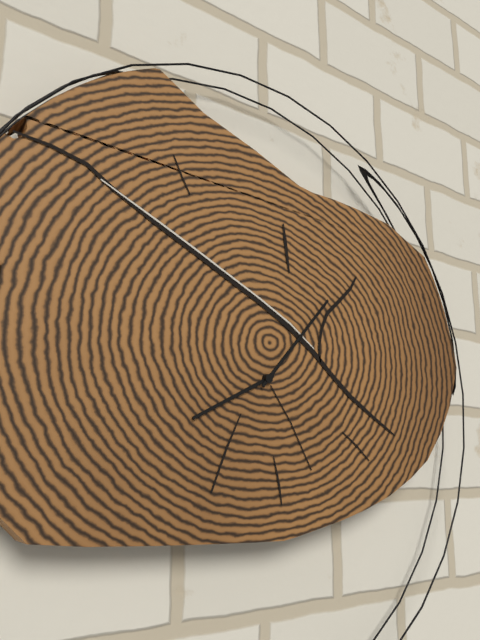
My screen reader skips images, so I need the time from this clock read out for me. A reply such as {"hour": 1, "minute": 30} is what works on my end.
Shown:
{"hour": 8, "minute": 7}
